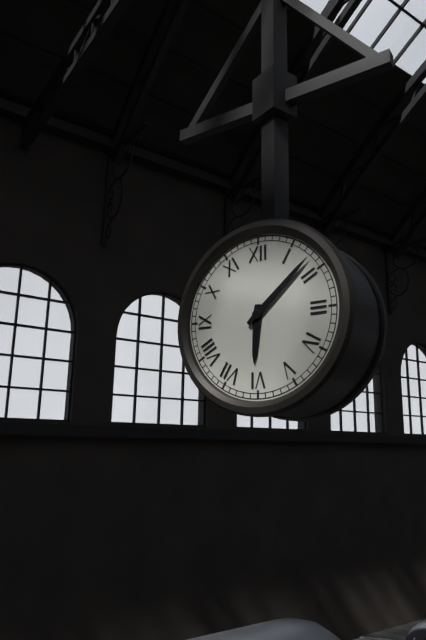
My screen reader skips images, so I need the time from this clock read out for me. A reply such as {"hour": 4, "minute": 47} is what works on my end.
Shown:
{"hour": 6, "minute": 8}
